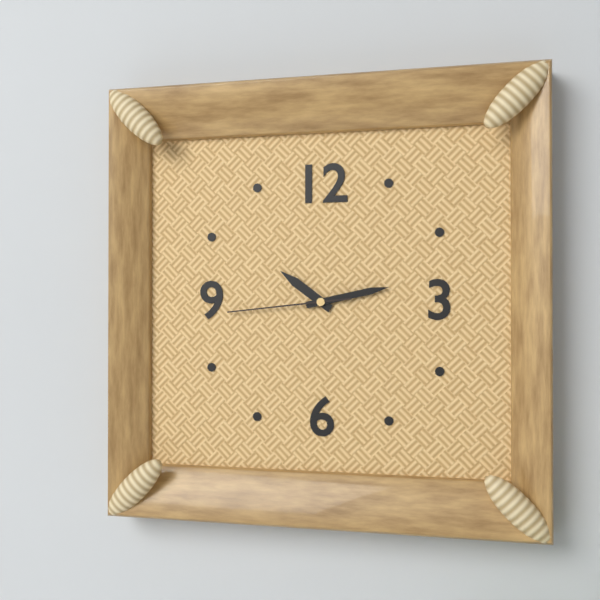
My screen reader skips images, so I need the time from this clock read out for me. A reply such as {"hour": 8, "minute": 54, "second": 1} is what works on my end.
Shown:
{"hour": 10, "minute": 13, "second": 44}
